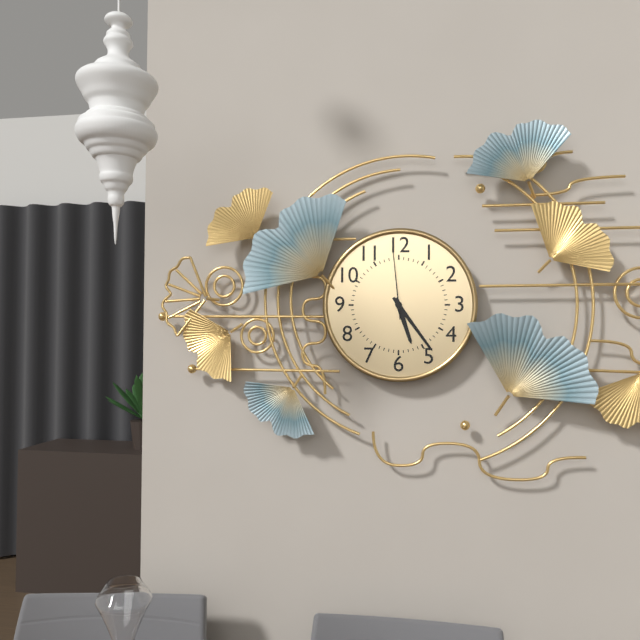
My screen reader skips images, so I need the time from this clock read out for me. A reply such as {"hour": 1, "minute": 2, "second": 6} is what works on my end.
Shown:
{"hour": 5, "minute": 24, "second": 59}
